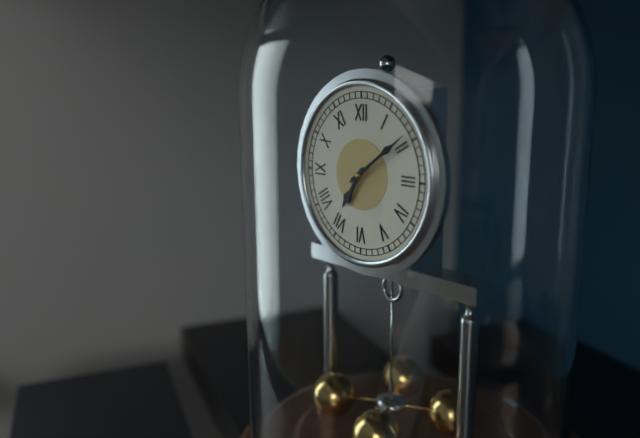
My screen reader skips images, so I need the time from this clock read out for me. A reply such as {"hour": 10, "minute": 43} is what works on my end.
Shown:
{"hour": 7, "minute": 9}
